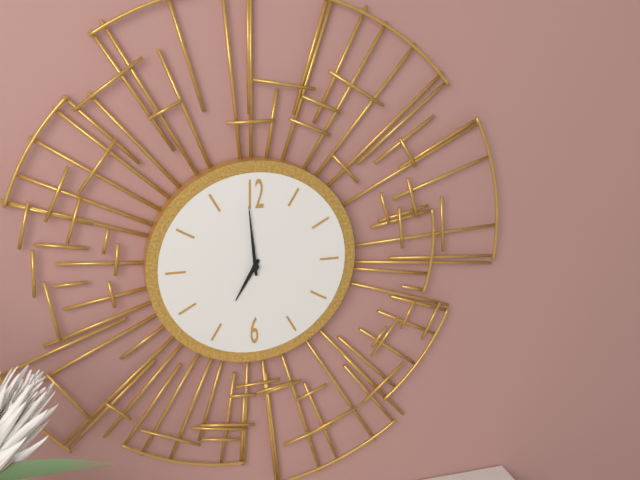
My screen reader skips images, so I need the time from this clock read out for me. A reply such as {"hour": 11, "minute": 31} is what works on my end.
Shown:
{"hour": 6, "minute": 59}
